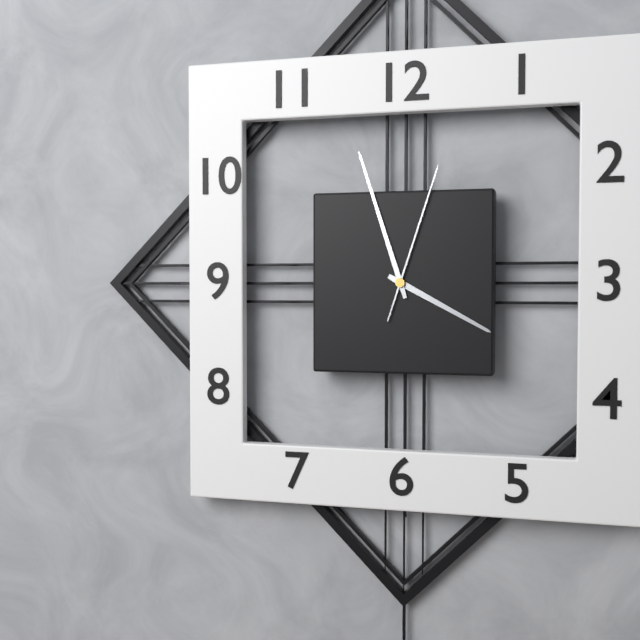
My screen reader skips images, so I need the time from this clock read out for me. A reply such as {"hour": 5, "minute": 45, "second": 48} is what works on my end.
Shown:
{"hour": 3, "minute": 57, "second": 3}
